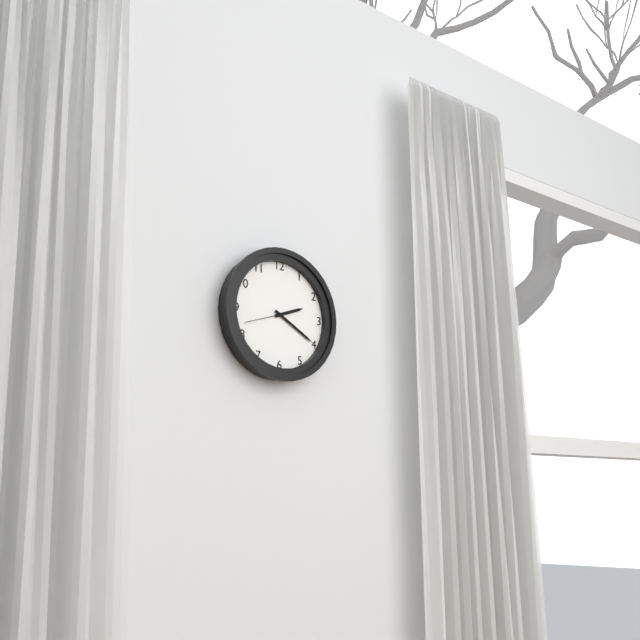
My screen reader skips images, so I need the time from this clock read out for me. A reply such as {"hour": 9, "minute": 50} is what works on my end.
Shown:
{"hour": 2, "minute": 20}
